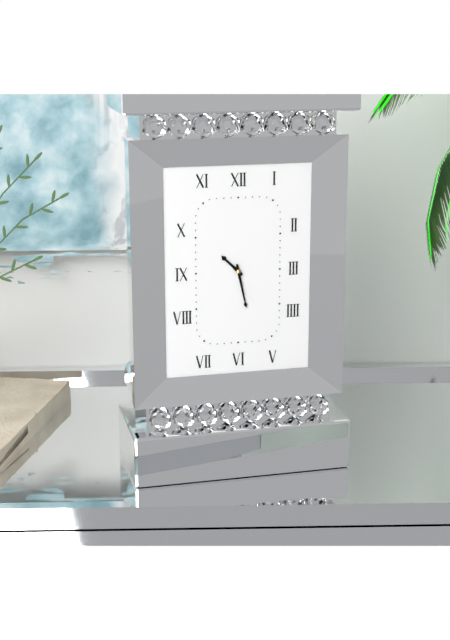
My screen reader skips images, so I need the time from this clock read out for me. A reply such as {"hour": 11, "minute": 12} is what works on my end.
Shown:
{"hour": 10, "minute": 28}
